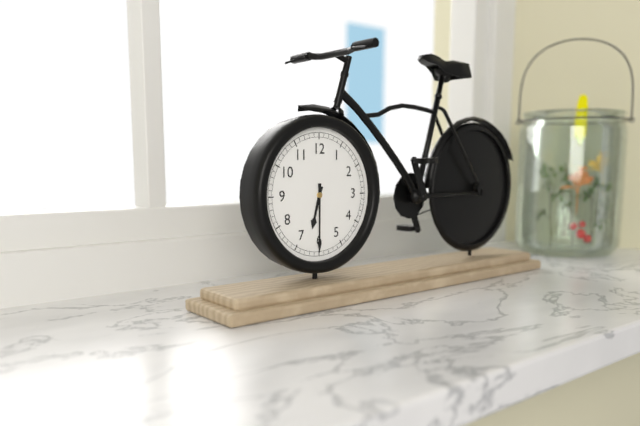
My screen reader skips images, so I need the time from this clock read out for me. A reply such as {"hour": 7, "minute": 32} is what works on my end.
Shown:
{"hour": 6, "minute": 30}
